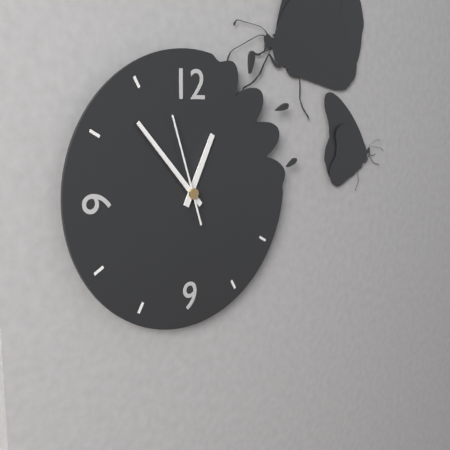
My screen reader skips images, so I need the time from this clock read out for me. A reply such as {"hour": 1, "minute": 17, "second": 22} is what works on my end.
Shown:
{"hour": 12, "minute": 53, "second": 57}
